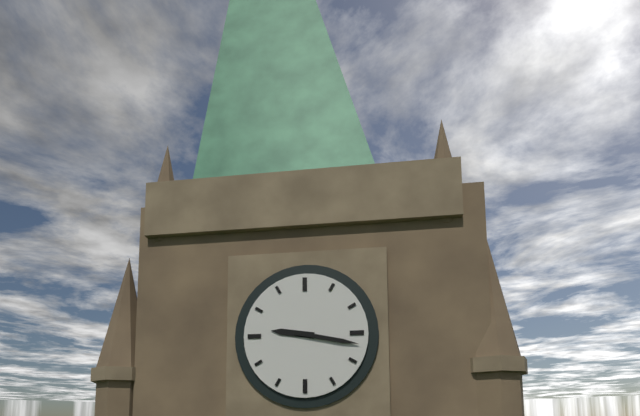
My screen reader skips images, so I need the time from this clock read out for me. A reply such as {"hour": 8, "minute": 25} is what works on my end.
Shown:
{"hour": 9, "minute": 17}
